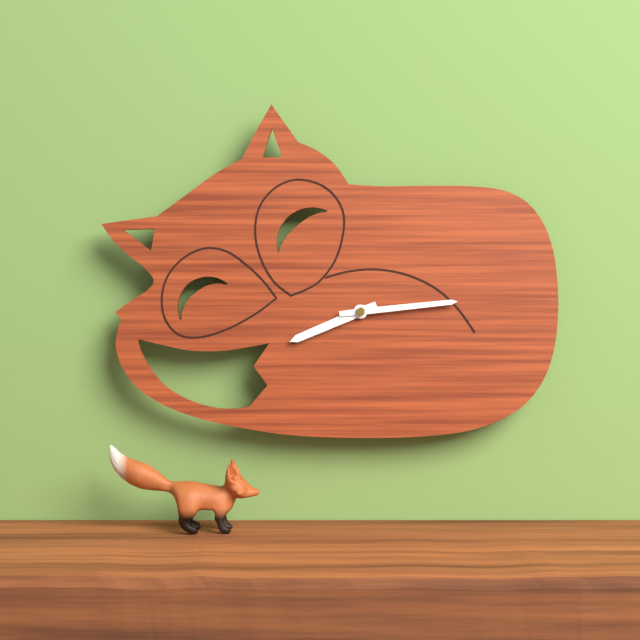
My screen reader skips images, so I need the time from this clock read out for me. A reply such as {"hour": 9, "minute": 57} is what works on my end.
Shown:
{"hour": 8, "minute": 14}
